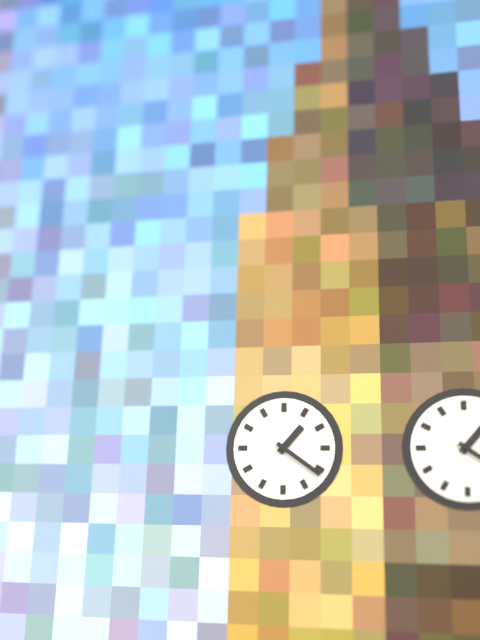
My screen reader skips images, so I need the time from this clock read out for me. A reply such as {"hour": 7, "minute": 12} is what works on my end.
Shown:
{"hour": 1, "minute": 21}
